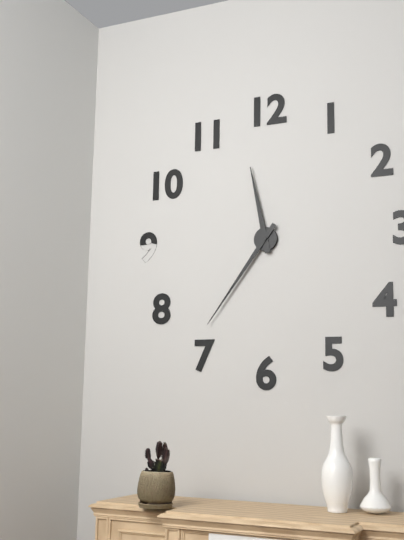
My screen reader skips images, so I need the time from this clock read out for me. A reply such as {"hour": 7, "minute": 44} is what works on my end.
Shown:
{"hour": 11, "minute": 36}
